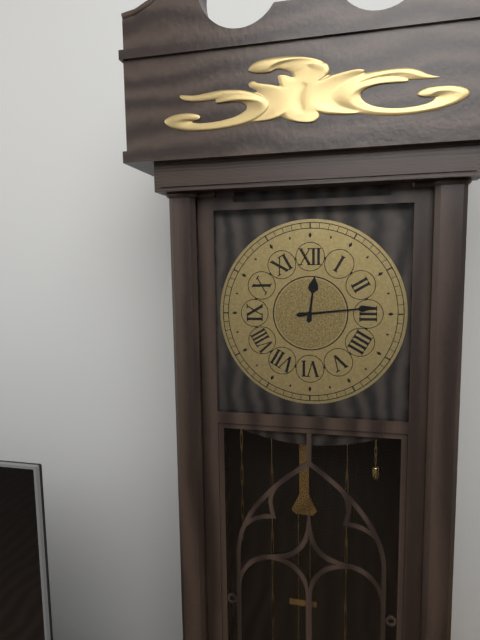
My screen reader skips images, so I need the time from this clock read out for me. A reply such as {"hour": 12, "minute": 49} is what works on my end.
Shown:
{"hour": 12, "minute": 14}
